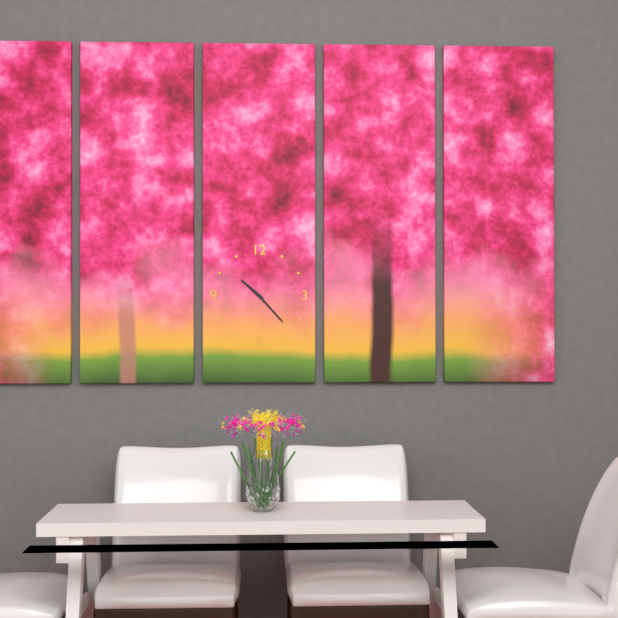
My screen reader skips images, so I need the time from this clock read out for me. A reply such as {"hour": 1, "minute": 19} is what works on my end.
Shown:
{"hour": 10, "minute": 23}
